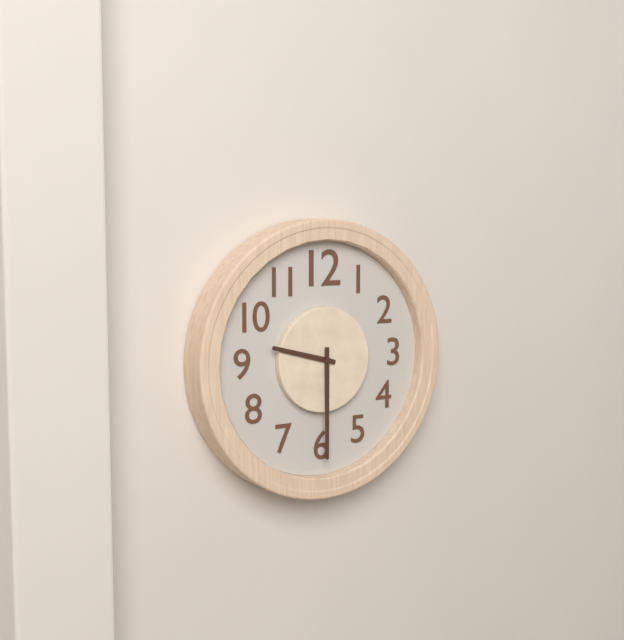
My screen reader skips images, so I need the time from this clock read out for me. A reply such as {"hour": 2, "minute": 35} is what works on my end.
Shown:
{"hour": 9, "minute": 30}
